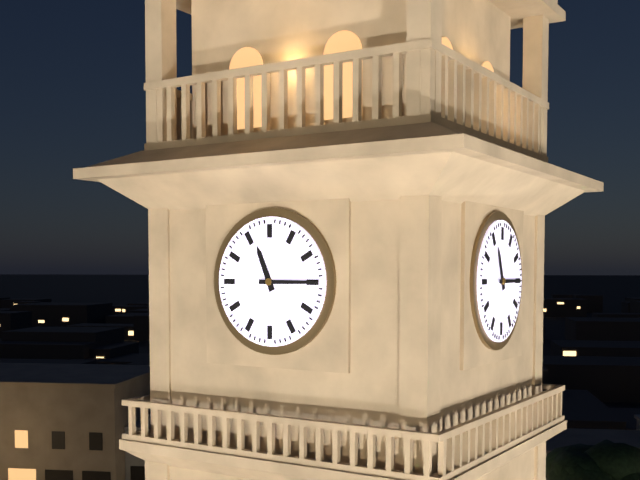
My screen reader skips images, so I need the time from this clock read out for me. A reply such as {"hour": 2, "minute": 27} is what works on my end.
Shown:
{"hour": 11, "minute": 15}
